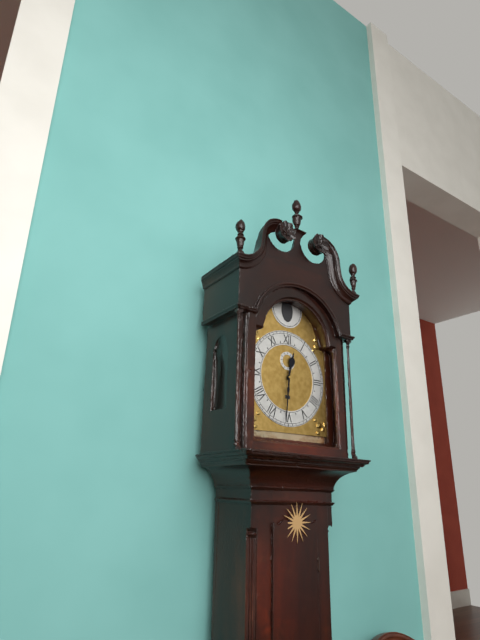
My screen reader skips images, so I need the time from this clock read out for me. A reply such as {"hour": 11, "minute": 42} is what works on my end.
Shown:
{"hour": 12, "minute": 31}
